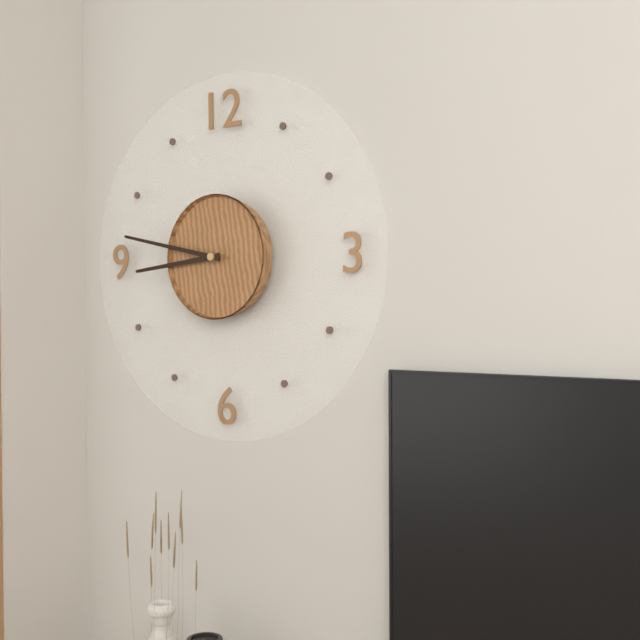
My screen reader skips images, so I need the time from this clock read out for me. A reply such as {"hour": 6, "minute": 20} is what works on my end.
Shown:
{"hour": 8, "minute": 47}
